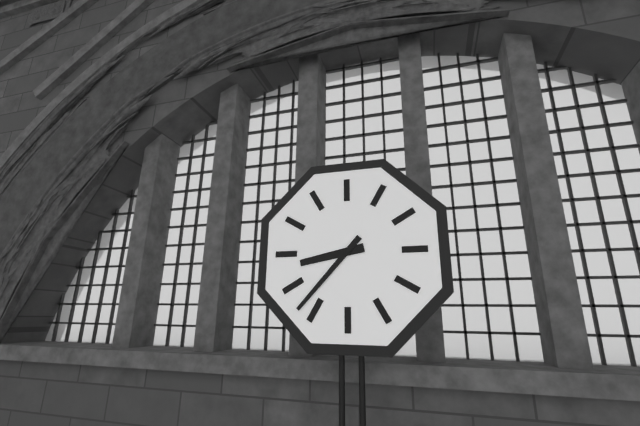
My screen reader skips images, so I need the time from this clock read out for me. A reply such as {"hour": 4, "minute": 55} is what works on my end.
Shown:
{"hour": 8, "minute": 37}
